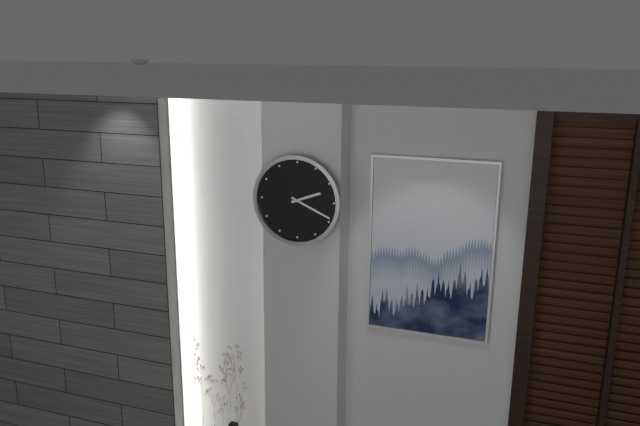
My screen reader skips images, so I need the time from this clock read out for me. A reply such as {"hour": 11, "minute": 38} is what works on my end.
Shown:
{"hour": 2, "minute": 19}
